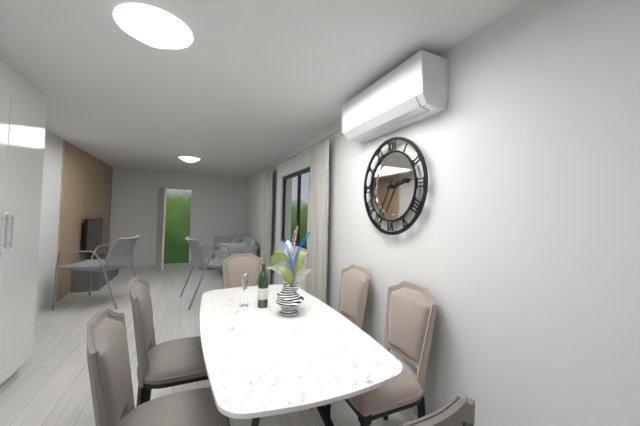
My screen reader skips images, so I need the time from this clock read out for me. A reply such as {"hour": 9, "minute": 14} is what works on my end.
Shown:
{"hour": 2, "minute": 35}
